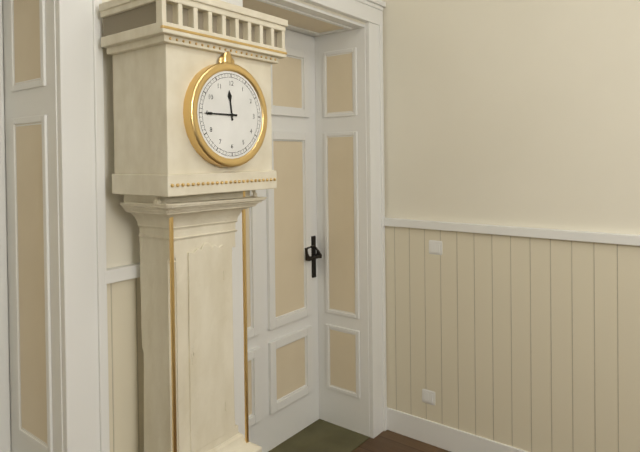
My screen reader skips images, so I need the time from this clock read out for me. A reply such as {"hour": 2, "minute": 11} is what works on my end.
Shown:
{"hour": 11, "minute": 45}
